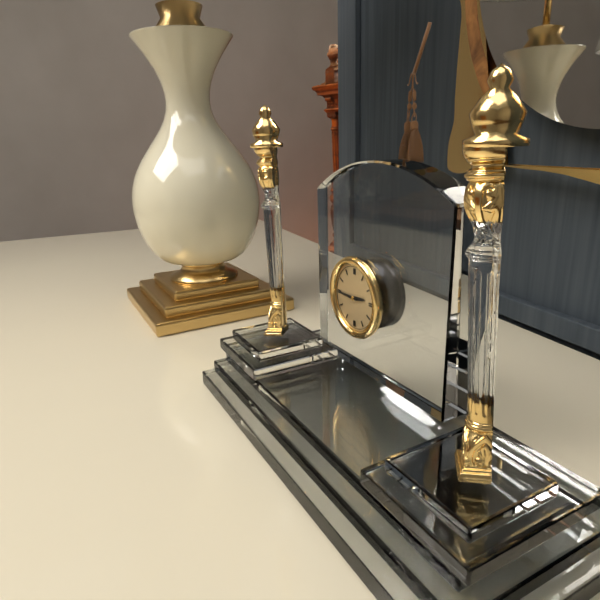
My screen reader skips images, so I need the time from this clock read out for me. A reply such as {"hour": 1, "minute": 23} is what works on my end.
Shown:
{"hour": 2, "minute": 45}
